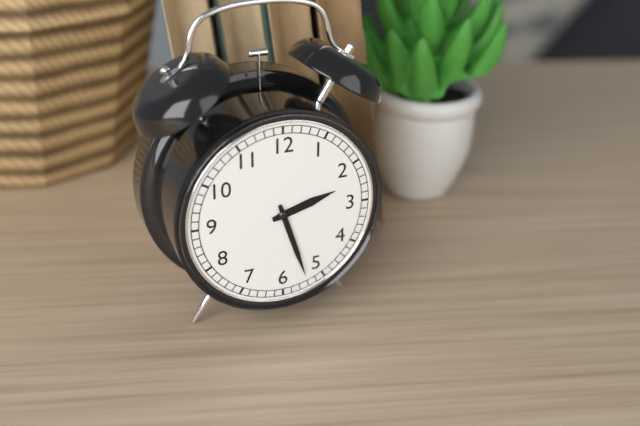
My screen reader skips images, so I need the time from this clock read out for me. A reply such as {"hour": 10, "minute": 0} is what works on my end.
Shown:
{"hour": 2, "minute": 27}
